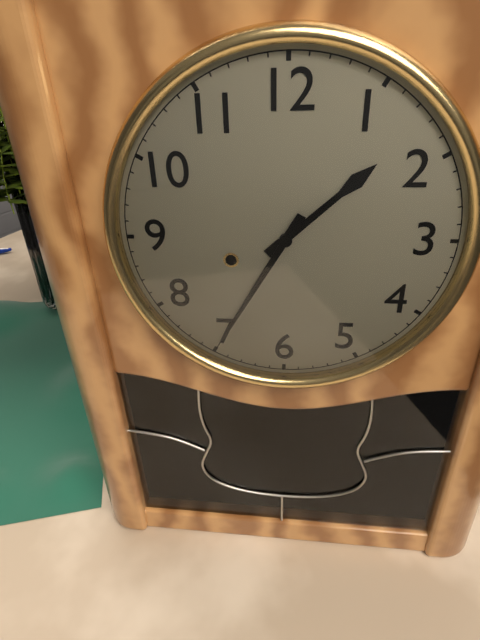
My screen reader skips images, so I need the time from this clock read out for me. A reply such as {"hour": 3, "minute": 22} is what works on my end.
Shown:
{"hour": 1, "minute": 35}
